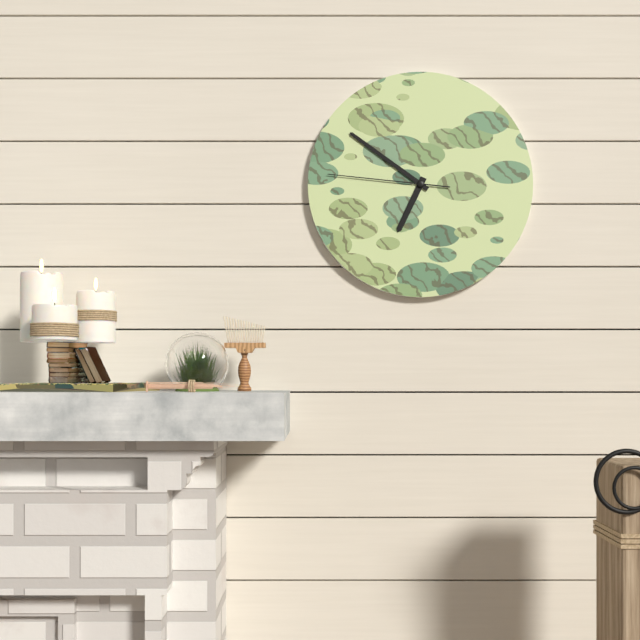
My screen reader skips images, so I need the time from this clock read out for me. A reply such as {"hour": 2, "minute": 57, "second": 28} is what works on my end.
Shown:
{"hour": 6, "minute": 51, "second": 46}
